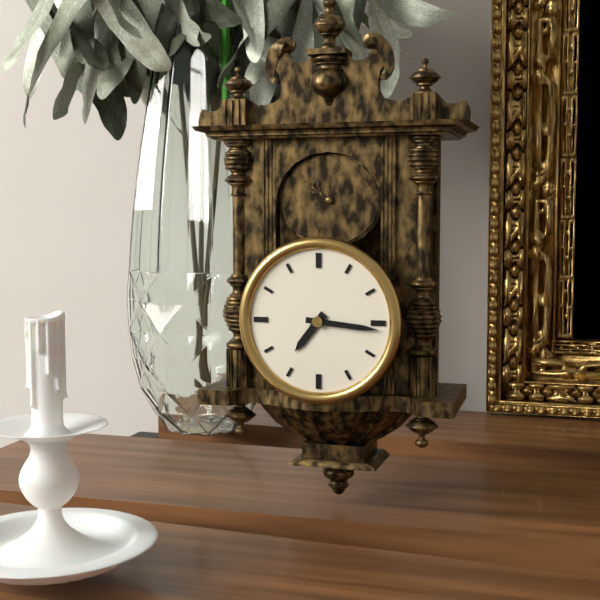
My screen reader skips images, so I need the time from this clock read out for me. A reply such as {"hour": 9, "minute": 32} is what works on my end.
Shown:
{"hour": 7, "minute": 16}
